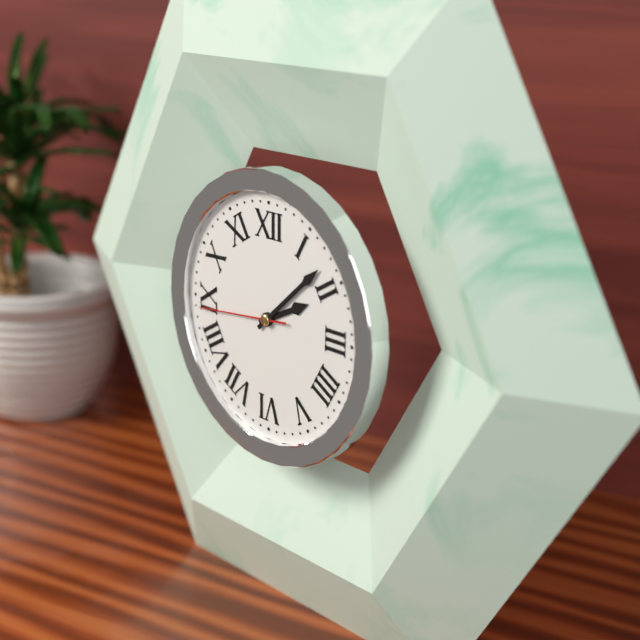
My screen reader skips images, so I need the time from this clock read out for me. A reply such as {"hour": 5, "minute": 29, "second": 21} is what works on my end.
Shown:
{"hour": 2, "minute": 8, "second": 44}
